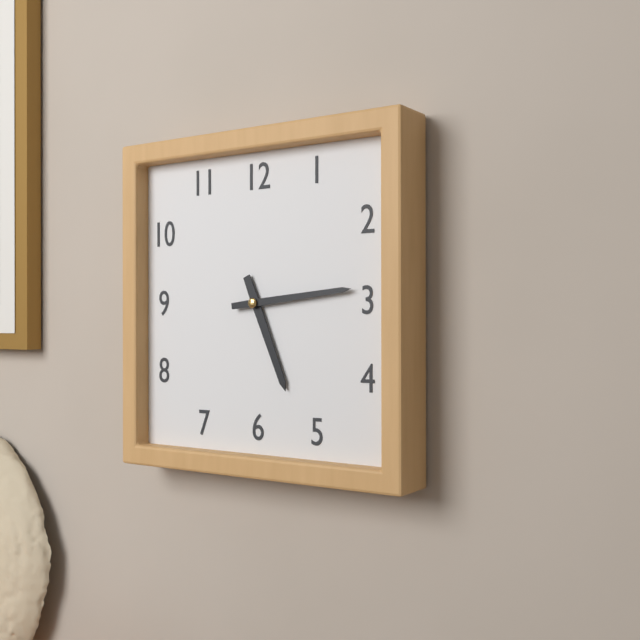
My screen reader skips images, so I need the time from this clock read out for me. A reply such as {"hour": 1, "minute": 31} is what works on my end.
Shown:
{"hour": 5, "minute": 14}
